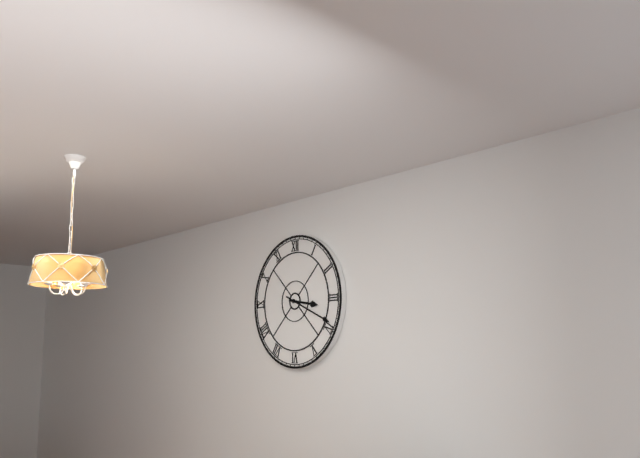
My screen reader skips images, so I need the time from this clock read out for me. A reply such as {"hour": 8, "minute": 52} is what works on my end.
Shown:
{"hour": 3, "minute": 19}
